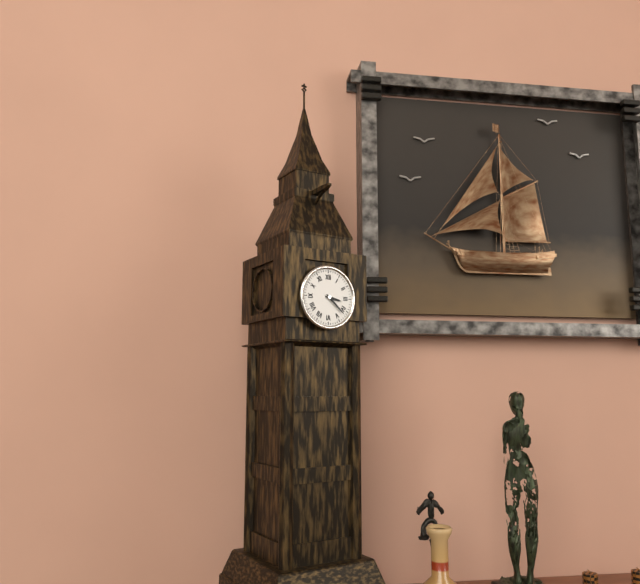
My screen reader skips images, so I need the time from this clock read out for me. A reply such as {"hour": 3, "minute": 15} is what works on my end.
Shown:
{"hour": 3, "minute": 22}
